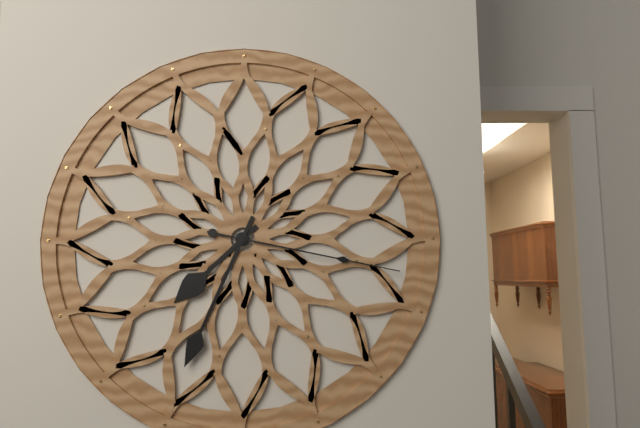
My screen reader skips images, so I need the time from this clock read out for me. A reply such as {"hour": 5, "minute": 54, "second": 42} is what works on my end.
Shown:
{"hour": 7, "minute": 34, "second": 17}
